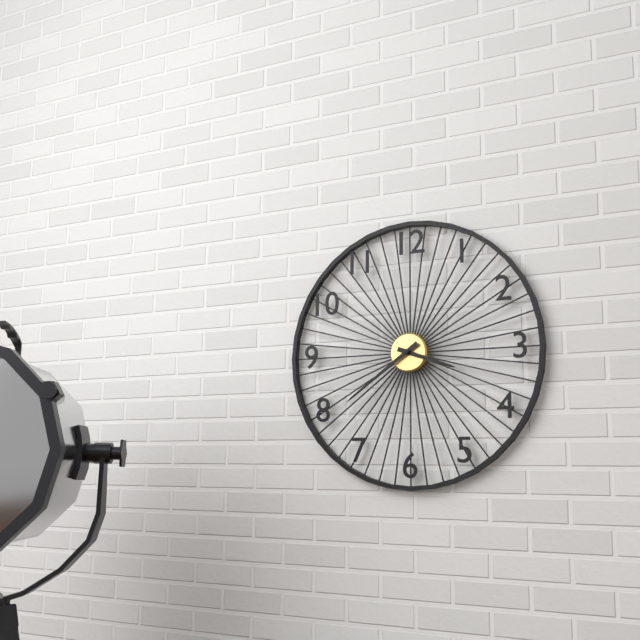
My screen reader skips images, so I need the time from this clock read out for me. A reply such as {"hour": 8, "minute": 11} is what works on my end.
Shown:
{"hour": 3, "minute": 39}
